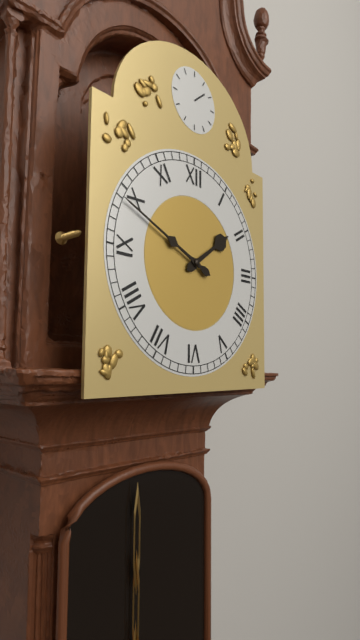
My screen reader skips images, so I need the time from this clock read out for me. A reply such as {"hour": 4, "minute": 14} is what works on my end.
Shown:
{"hour": 1, "minute": 49}
